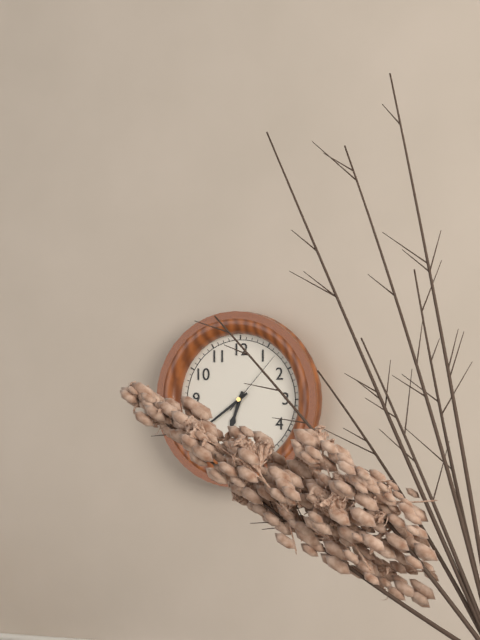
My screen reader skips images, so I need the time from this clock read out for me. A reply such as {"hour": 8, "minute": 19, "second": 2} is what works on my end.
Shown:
{"hour": 6, "minute": 39, "second": 7}
